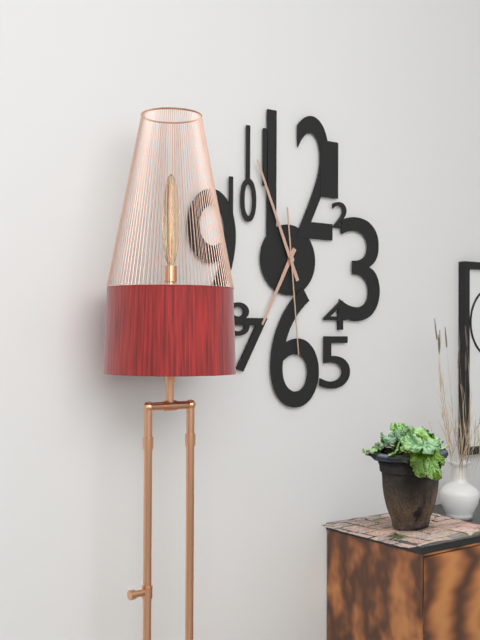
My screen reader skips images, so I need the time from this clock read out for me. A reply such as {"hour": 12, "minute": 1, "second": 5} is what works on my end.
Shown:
{"hour": 6, "minute": 56, "second": 29}
